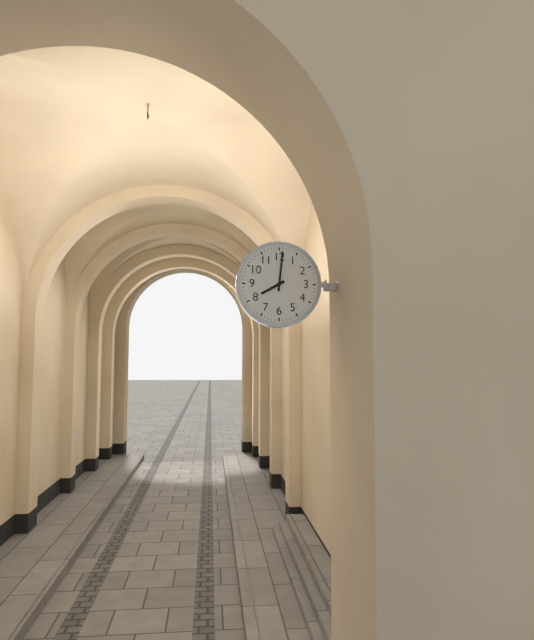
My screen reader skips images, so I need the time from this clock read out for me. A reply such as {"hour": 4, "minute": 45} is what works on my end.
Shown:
{"hour": 8, "minute": 1}
